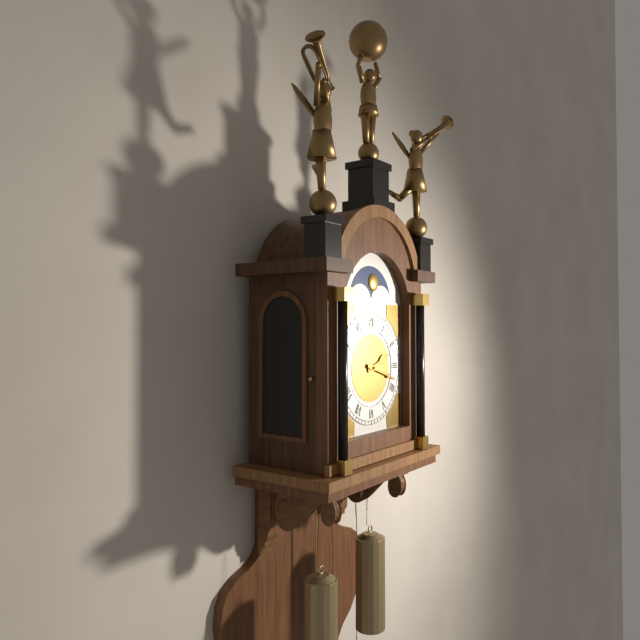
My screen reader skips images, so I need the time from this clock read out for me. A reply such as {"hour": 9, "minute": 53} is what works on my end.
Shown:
{"hour": 2, "minute": 18}
